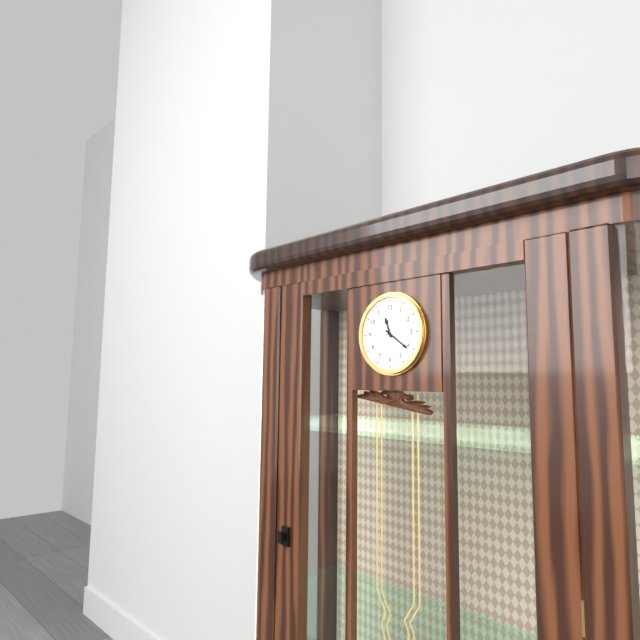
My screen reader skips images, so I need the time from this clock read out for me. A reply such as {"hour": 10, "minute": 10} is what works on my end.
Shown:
{"hour": 11, "minute": 21}
